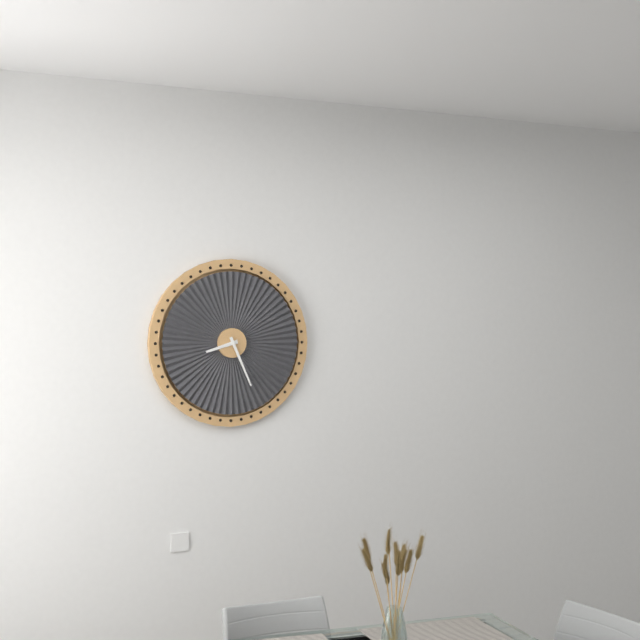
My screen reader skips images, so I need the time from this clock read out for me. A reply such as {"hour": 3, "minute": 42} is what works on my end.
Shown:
{"hour": 8, "minute": 26}
